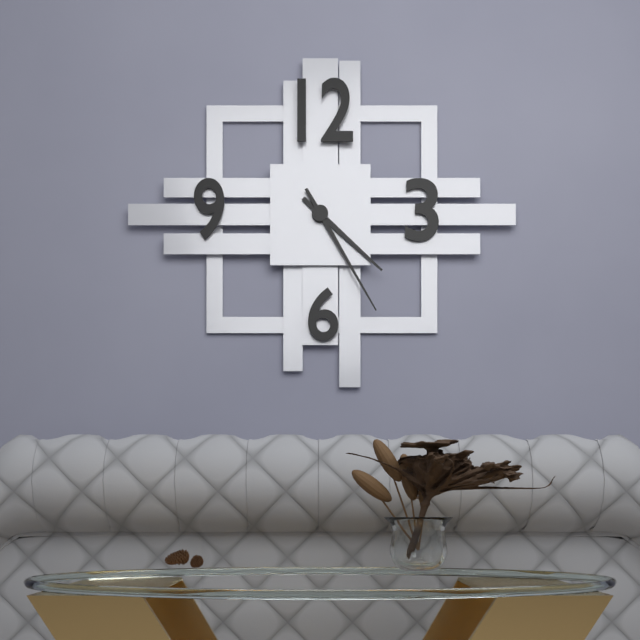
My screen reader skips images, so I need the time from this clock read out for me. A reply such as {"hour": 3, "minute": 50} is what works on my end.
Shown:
{"hour": 4, "minute": 25}
